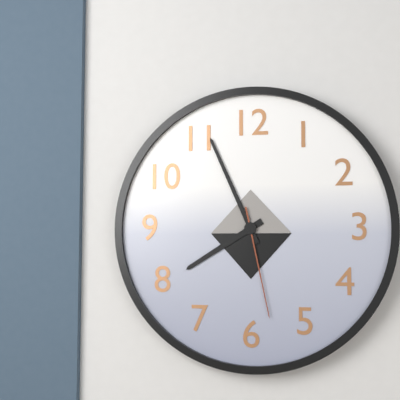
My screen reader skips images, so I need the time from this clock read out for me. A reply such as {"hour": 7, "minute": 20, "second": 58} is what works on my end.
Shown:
{"hour": 7, "minute": 56, "second": 28}
